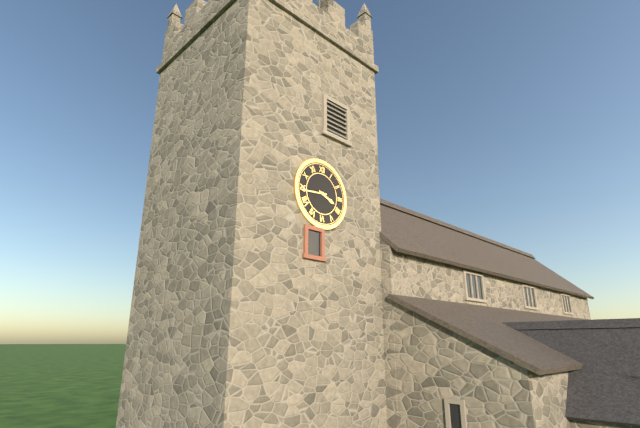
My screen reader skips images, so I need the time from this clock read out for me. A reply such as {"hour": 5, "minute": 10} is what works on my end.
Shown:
{"hour": 3, "minute": 44}
